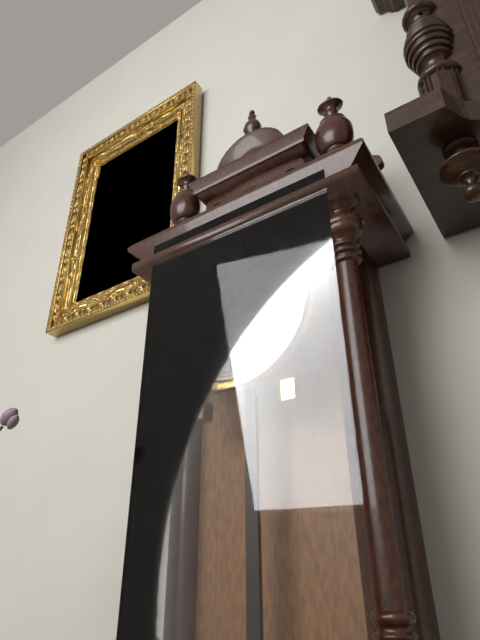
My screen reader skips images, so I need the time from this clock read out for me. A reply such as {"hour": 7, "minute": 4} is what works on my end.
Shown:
{"hour": 1, "minute": 19}
